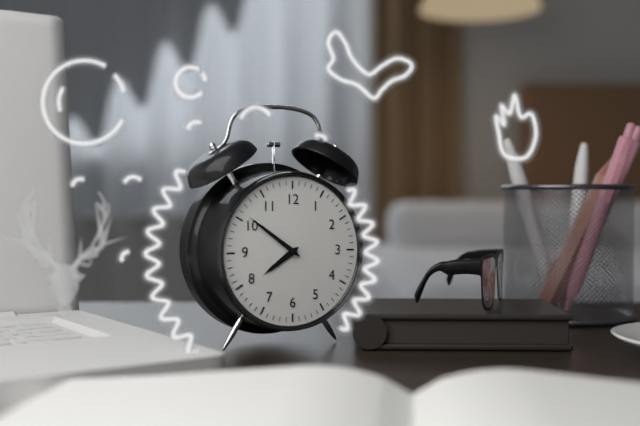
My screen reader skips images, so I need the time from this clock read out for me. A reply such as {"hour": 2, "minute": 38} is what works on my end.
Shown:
{"hour": 7, "minute": 51}
